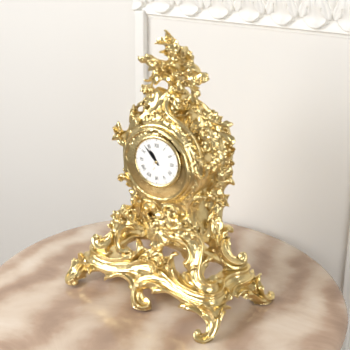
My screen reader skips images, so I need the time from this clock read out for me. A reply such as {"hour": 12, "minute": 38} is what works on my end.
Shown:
{"hour": 10, "minute": 53}
